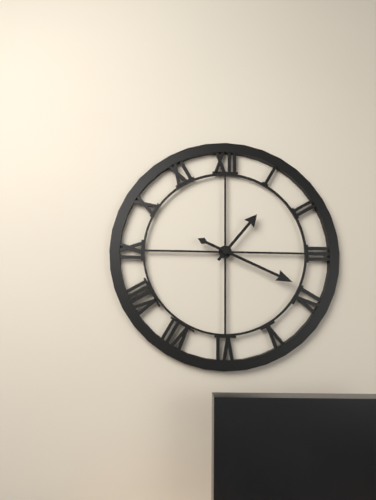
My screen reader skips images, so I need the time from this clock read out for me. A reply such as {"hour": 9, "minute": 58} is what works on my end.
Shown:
{"hour": 1, "minute": 19}
